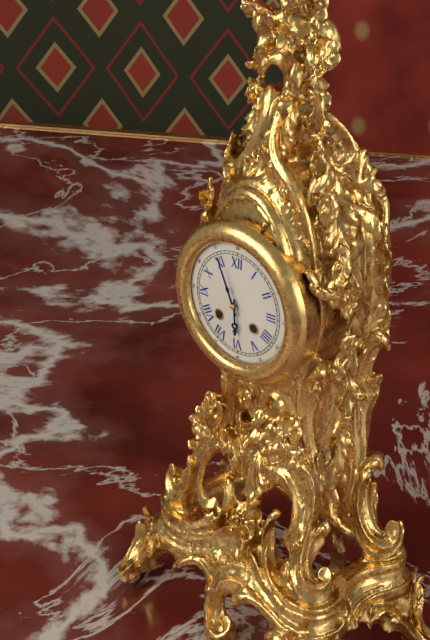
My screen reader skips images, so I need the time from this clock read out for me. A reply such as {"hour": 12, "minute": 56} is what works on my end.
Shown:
{"hour": 5, "minute": 56}
